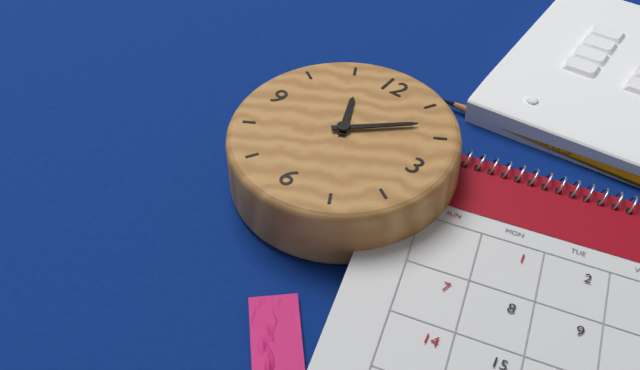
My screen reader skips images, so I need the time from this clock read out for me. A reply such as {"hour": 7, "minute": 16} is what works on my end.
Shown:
{"hour": 11, "minute": 8}
